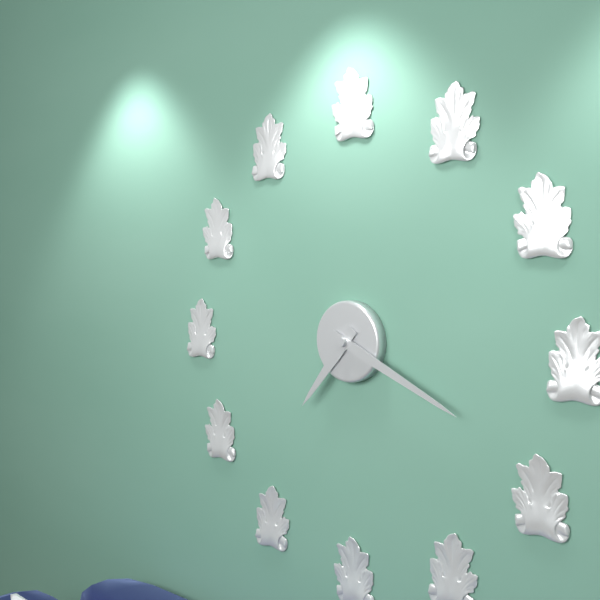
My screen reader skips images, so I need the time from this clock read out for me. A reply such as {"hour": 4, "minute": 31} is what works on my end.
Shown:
{"hour": 7, "minute": 19}
